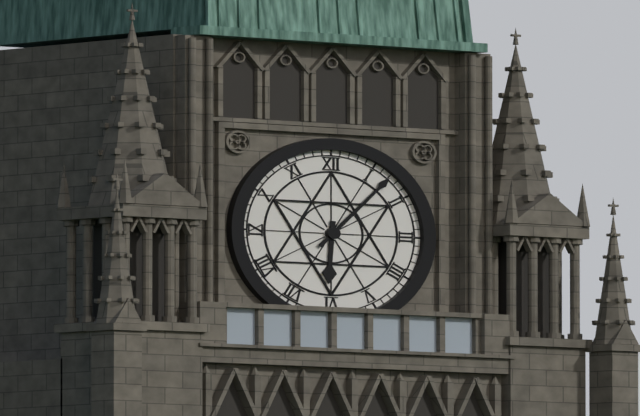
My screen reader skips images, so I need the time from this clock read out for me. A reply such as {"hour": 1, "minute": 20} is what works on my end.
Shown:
{"hour": 6, "minute": 7}
